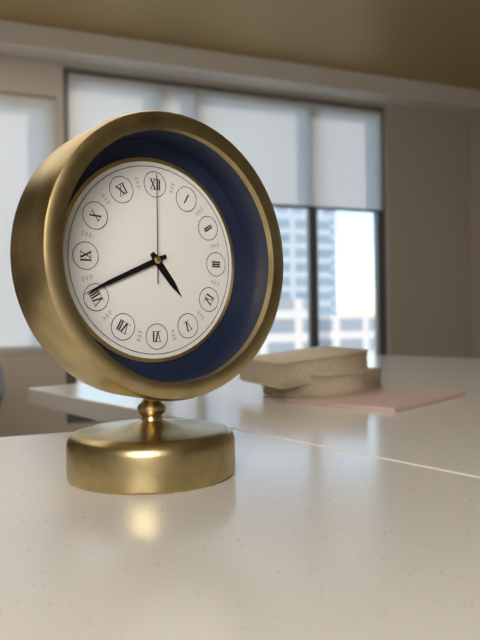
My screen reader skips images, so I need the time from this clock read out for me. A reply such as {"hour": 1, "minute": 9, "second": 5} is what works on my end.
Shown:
{"hour": 4, "minute": 41, "second": 0}
